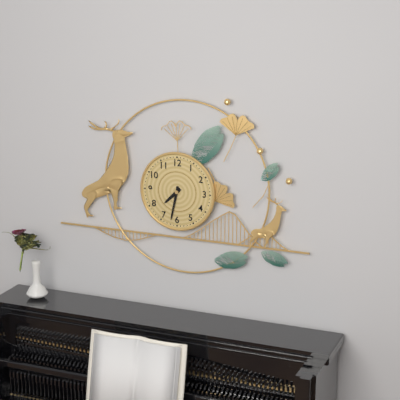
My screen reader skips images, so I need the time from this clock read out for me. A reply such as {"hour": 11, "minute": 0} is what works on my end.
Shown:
{"hour": 7, "minute": 32}
